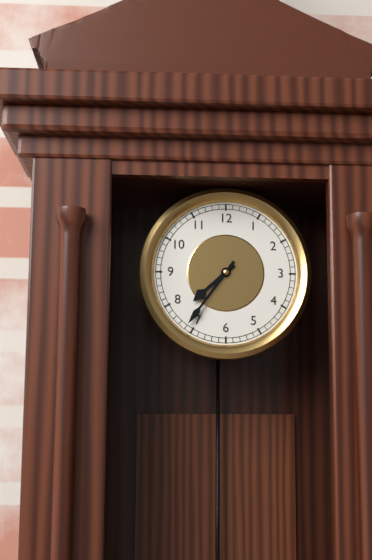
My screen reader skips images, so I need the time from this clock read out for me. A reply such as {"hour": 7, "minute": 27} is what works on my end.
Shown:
{"hour": 7, "minute": 36}
